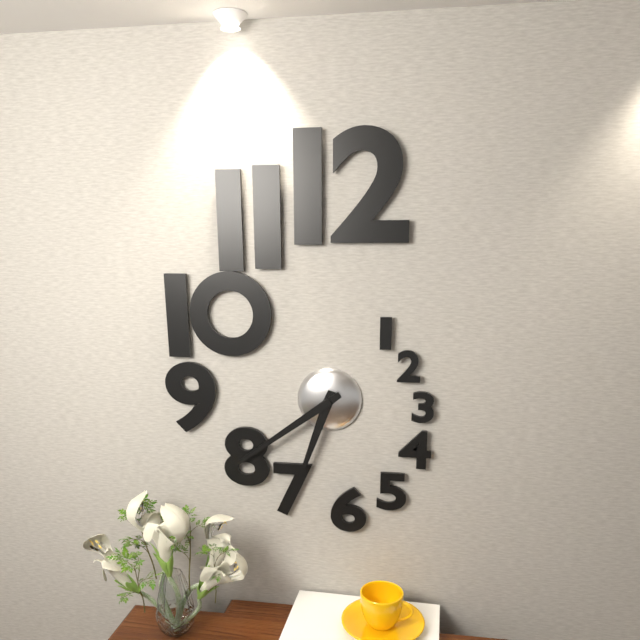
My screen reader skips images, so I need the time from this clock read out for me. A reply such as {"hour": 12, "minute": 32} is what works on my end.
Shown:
{"hour": 6, "minute": 39}
